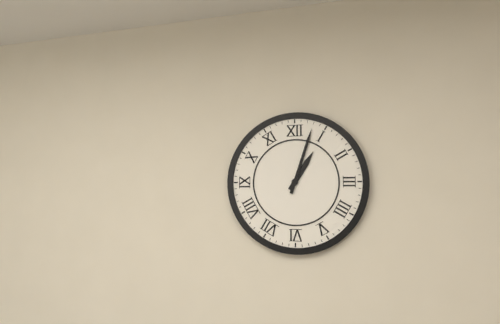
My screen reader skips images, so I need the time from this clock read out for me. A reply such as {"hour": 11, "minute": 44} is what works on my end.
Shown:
{"hour": 1, "minute": 3}
